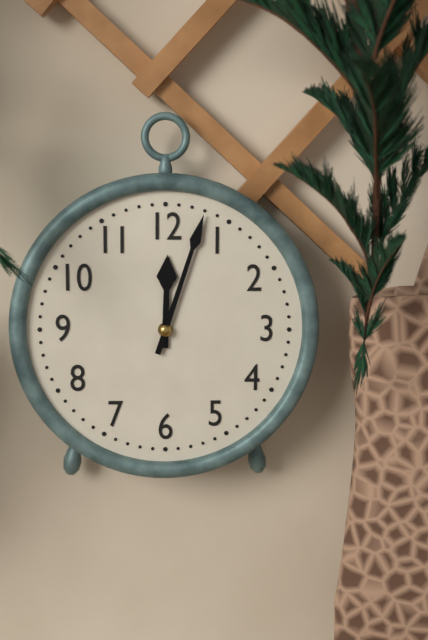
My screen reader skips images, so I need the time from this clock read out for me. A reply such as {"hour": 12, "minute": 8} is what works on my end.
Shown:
{"hour": 12, "minute": 3}
